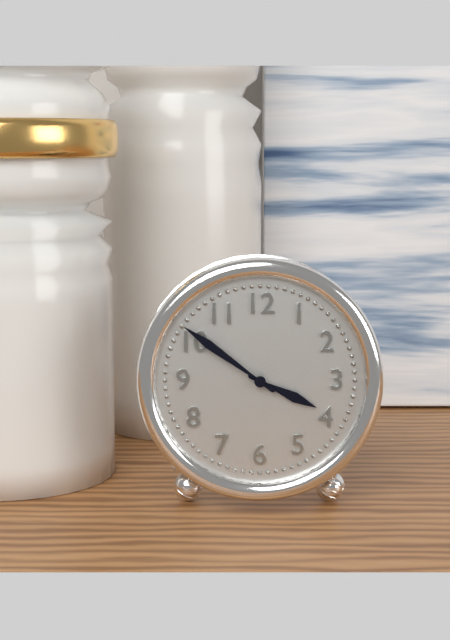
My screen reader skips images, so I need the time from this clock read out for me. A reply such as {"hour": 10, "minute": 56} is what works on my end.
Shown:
{"hour": 3, "minute": 51}
